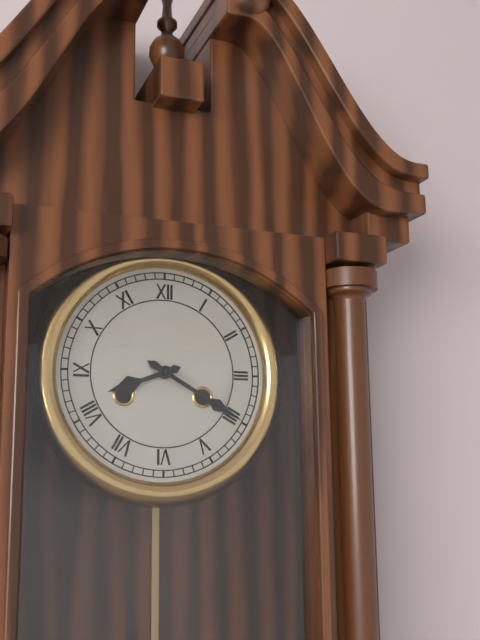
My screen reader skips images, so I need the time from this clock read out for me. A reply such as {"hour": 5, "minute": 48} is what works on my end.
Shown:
{"hour": 8, "minute": 20}
